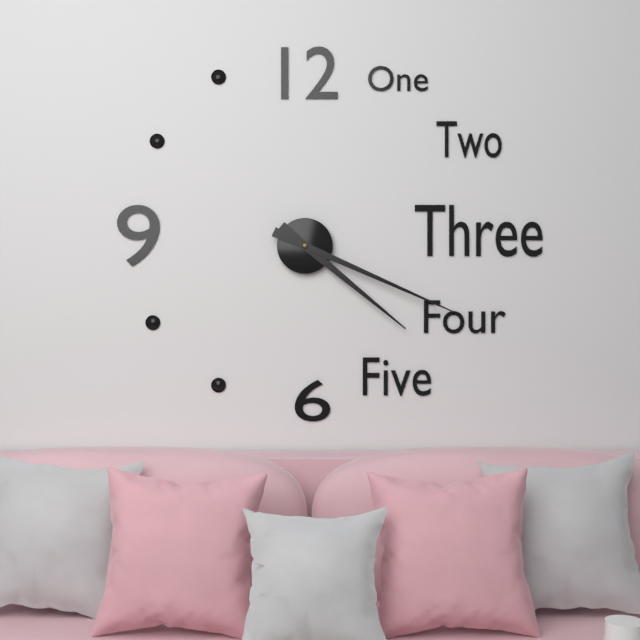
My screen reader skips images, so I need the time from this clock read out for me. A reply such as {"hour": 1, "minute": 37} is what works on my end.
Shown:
{"hour": 4, "minute": 19}
